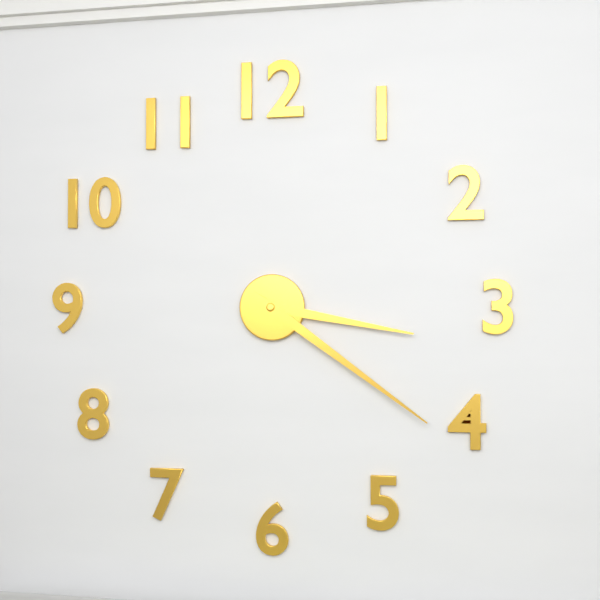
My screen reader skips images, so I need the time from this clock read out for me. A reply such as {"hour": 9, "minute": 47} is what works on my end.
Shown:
{"hour": 3, "minute": 21}
